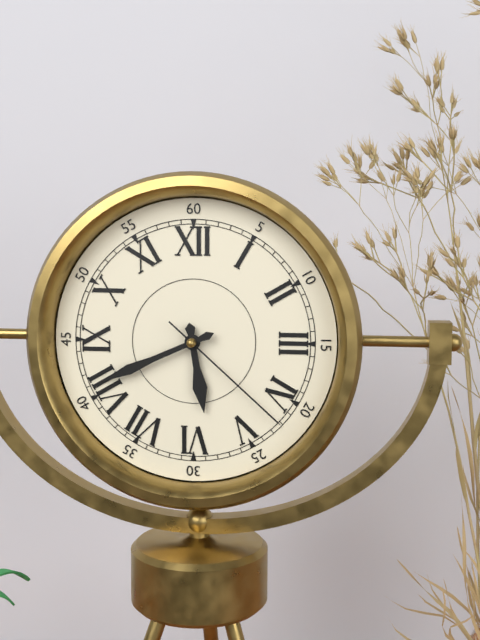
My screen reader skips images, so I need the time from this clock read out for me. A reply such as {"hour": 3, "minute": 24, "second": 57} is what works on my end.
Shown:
{"hour": 5, "minute": 41, "second": 22}
